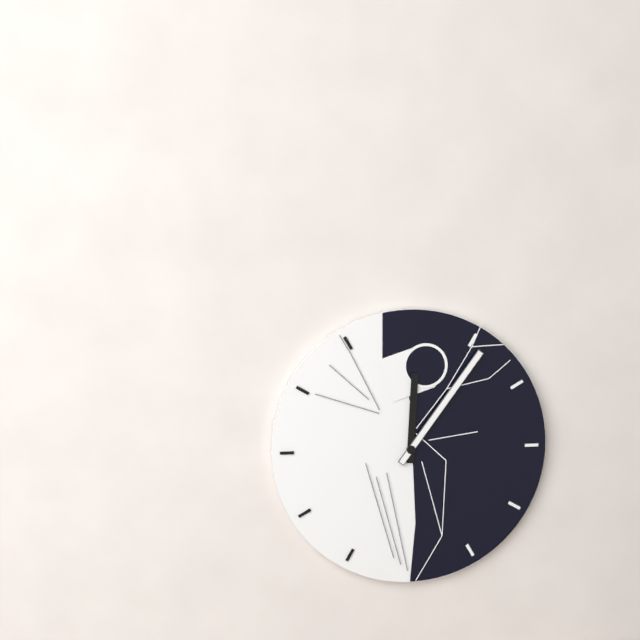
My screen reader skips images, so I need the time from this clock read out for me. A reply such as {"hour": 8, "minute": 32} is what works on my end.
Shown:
{"hour": 12, "minute": 6}
